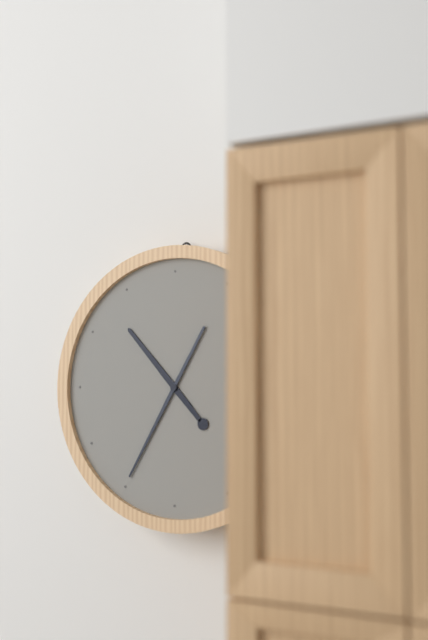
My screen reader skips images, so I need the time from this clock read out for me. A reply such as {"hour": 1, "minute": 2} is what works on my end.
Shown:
{"hour": 10, "minute": 35}
